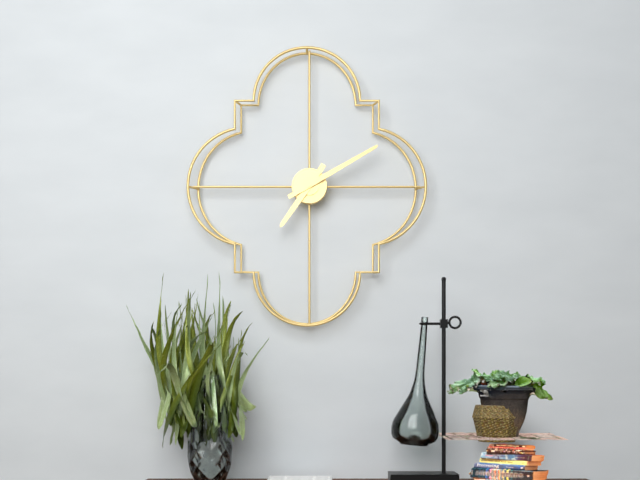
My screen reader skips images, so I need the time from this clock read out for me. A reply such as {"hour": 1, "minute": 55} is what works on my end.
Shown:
{"hour": 7, "minute": 10}
